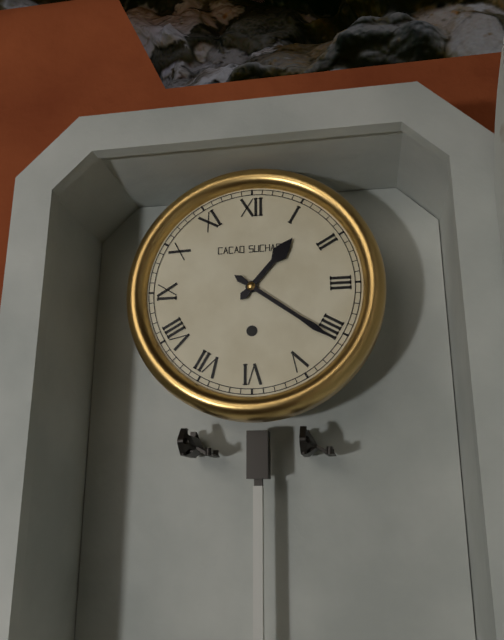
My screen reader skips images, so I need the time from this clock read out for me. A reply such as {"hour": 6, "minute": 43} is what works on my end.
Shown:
{"hour": 1, "minute": 21}
